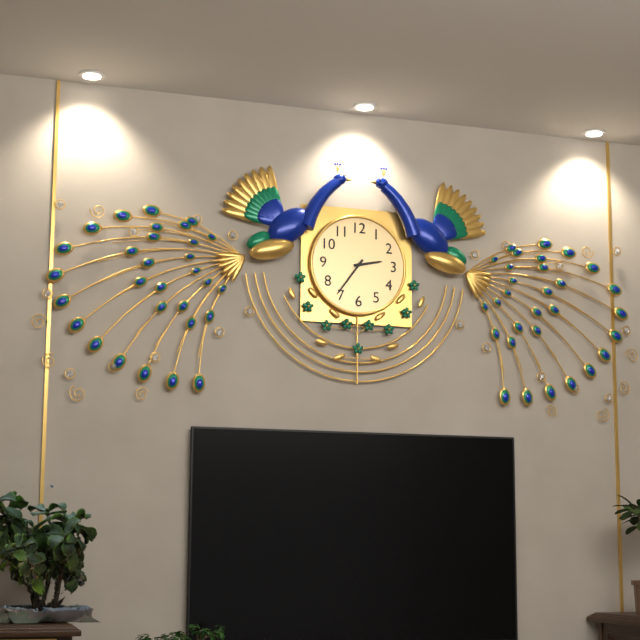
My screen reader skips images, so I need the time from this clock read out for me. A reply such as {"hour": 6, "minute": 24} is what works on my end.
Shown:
{"hour": 2, "minute": 36}
